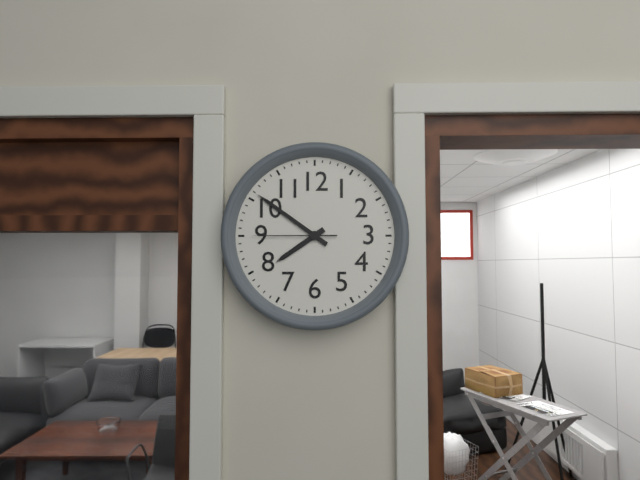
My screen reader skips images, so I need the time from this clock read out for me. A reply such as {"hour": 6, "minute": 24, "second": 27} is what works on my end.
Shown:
{"hour": 7, "minute": 51, "second": 45}
